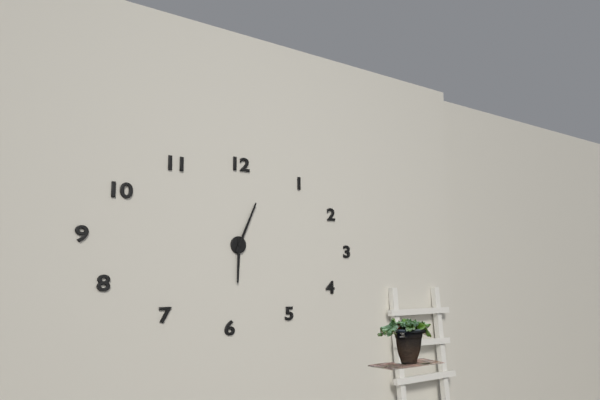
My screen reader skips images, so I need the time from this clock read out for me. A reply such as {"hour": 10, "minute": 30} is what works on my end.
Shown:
{"hour": 6, "minute": 4}
